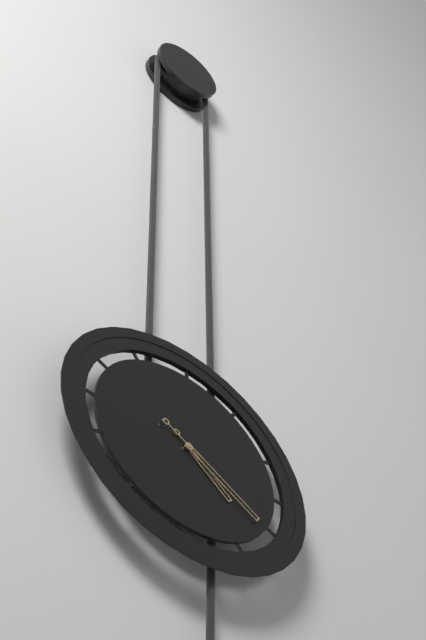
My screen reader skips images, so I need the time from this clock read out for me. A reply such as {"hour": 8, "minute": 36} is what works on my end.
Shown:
{"hour": 4, "minute": 20}
